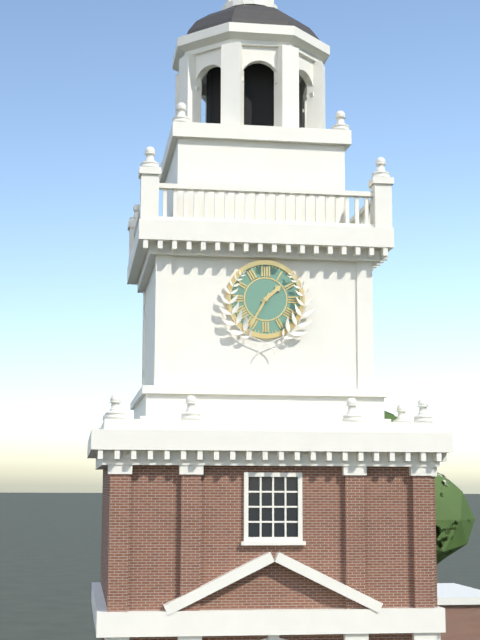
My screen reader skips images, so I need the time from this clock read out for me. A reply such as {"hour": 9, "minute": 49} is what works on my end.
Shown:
{"hour": 1, "minute": 35}
